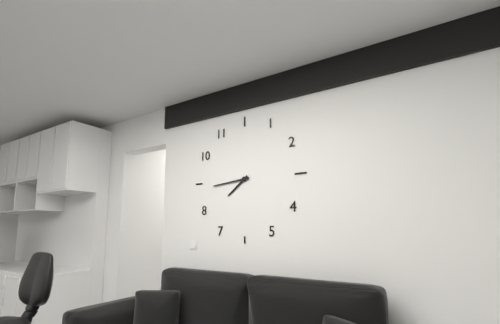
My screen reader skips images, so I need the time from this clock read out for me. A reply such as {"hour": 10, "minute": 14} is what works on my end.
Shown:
{"hour": 7, "minute": 44}
